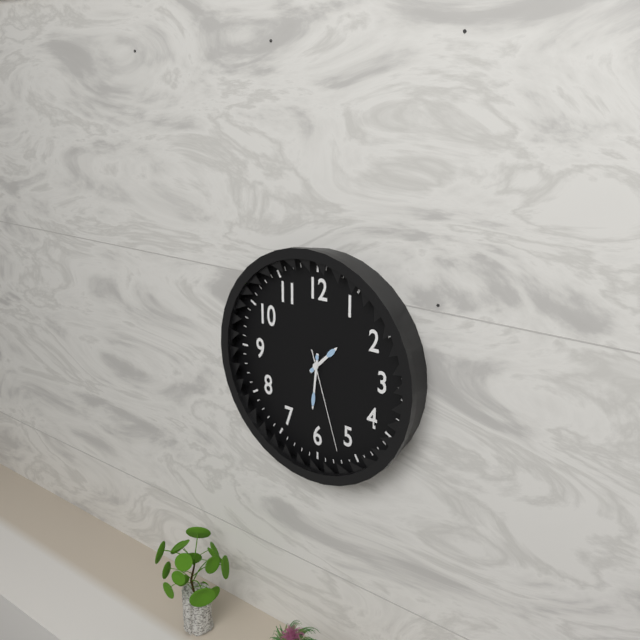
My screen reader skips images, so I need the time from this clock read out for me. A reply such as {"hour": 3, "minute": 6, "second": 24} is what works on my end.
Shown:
{"hour": 1, "minute": 31, "second": 27}
